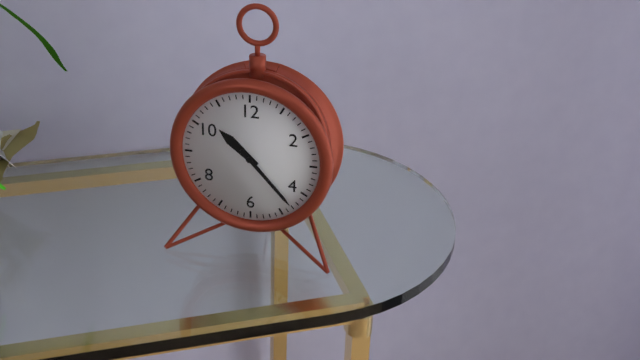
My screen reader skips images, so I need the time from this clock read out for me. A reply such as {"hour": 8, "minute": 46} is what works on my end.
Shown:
{"hour": 10, "minute": 23}
